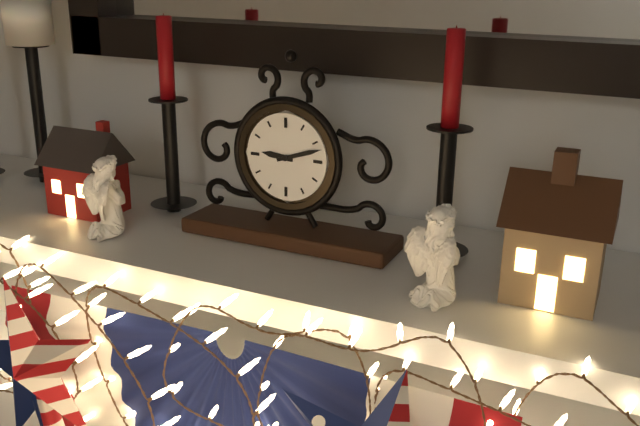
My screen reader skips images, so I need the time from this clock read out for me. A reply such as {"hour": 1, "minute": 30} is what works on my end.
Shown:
{"hour": 9, "minute": 12}
